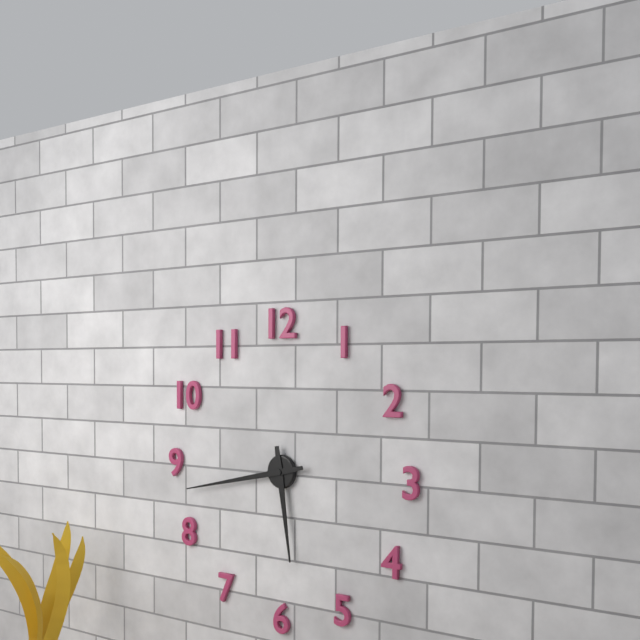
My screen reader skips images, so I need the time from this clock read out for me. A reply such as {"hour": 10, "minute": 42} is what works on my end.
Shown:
{"hour": 5, "minute": 43}
